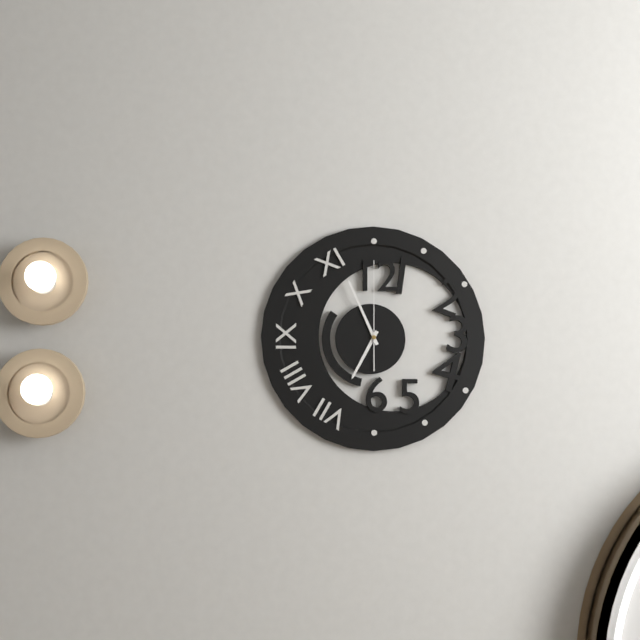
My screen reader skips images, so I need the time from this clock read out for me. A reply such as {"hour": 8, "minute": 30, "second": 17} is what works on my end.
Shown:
{"hour": 6, "minute": 56, "second": 0}
